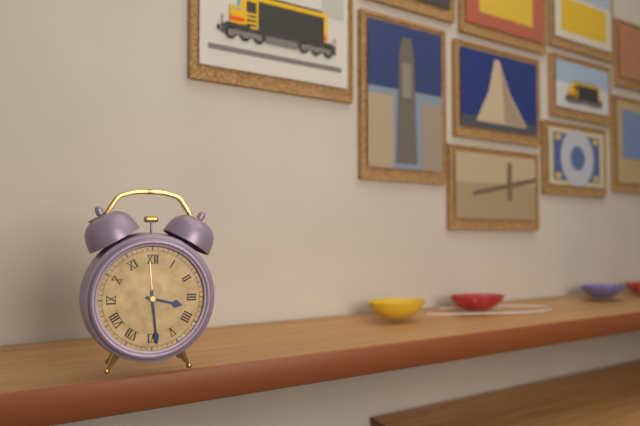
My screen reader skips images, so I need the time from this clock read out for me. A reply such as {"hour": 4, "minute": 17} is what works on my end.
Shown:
{"hour": 3, "minute": 29}
